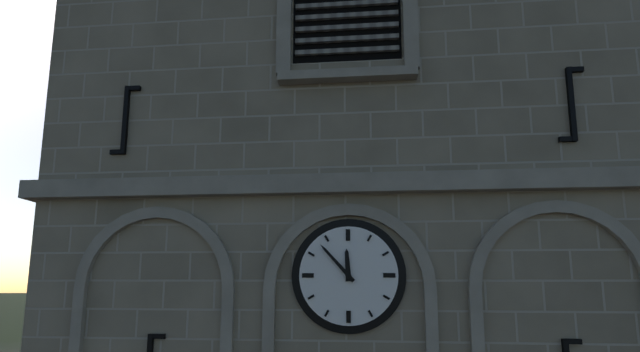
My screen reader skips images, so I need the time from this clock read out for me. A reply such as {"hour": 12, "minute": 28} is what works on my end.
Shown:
{"hour": 11, "minute": 53}
